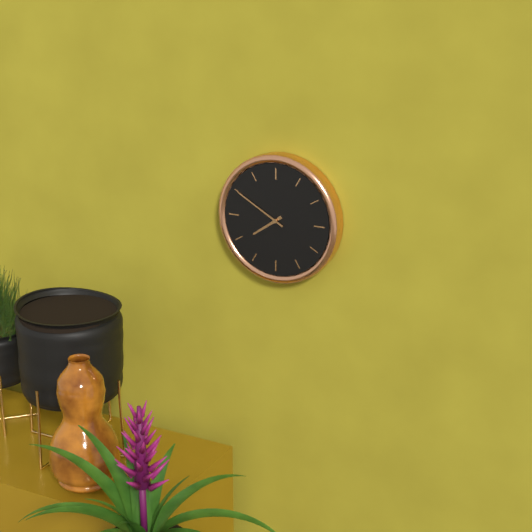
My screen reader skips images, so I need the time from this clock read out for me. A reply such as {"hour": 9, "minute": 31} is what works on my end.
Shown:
{"hour": 7, "minute": 50}
